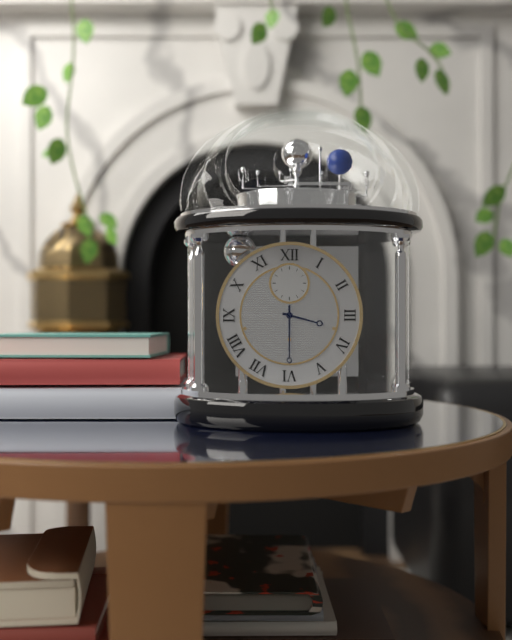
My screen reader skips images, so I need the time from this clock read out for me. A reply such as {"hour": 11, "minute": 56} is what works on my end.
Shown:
{"hour": 3, "minute": 30}
